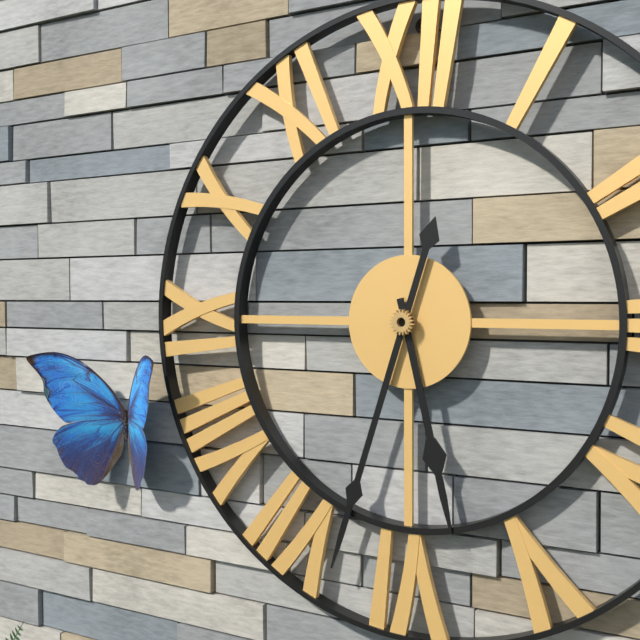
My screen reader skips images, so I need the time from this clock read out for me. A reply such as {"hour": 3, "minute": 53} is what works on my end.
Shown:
{"hour": 5, "minute": 33}
